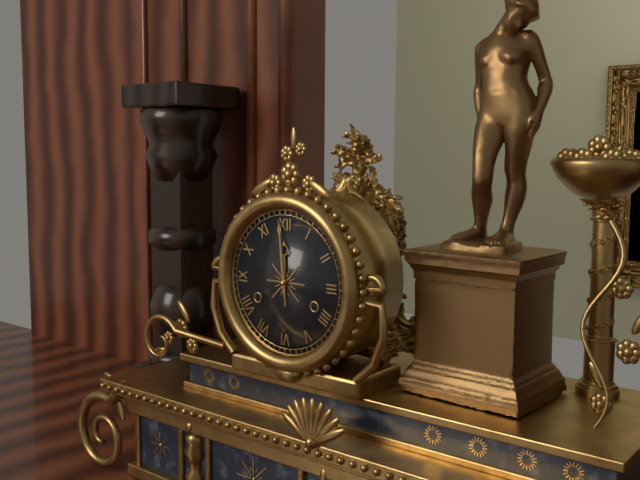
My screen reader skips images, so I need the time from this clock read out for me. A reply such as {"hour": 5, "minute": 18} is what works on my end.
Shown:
{"hour": 11, "minute": 59}
